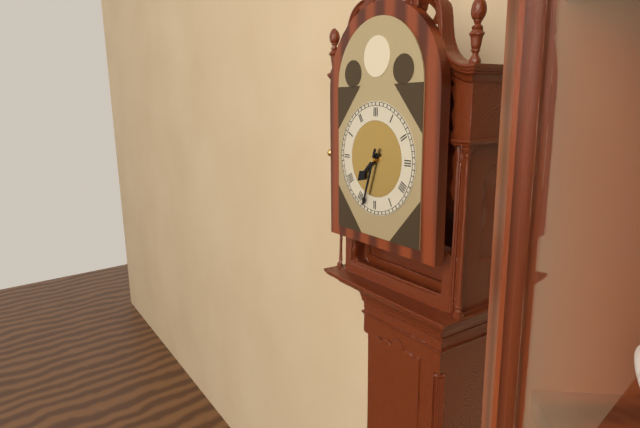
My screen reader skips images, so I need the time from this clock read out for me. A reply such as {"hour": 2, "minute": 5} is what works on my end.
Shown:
{"hour": 7, "minute": 33}
